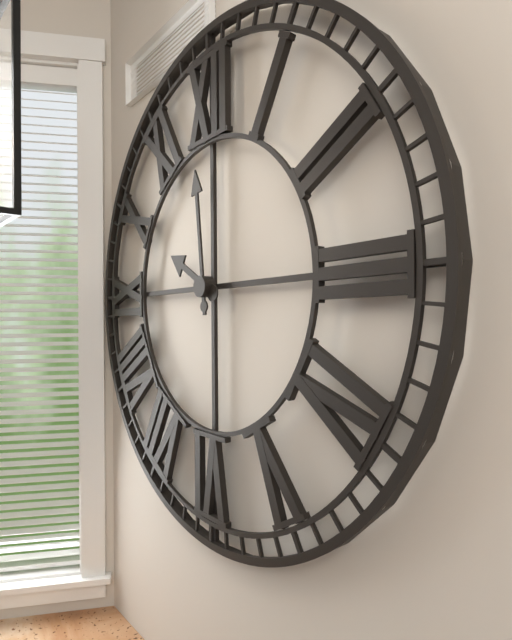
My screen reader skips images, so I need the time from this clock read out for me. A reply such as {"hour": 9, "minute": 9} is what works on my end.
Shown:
{"hour": 9, "minute": 59}
